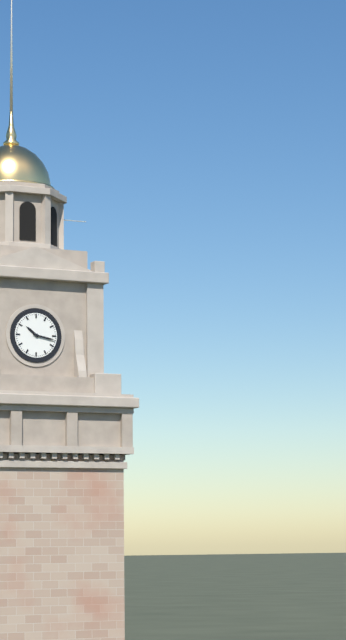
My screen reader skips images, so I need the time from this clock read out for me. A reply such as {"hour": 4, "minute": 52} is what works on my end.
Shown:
{"hour": 10, "minute": 17}
